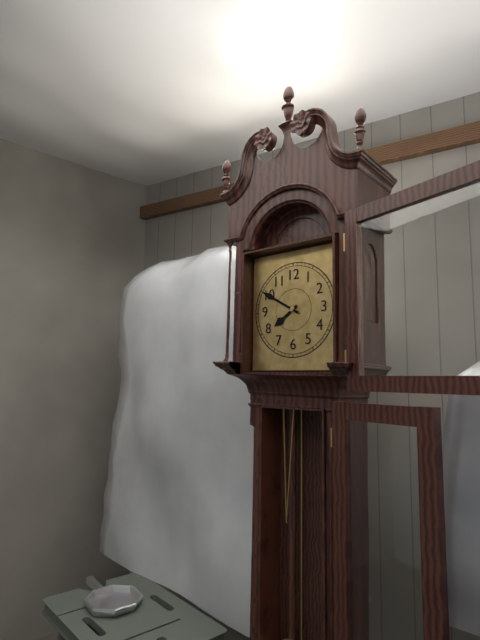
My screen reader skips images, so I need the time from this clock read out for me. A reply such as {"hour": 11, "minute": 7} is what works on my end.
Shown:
{"hour": 7, "minute": 50}
